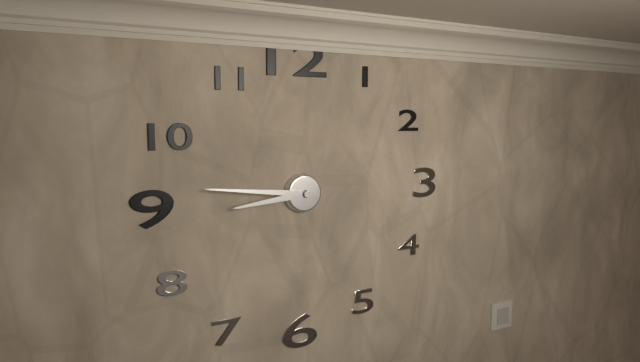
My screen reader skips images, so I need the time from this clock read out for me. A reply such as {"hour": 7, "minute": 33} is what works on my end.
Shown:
{"hour": 8, "minute": 46}
